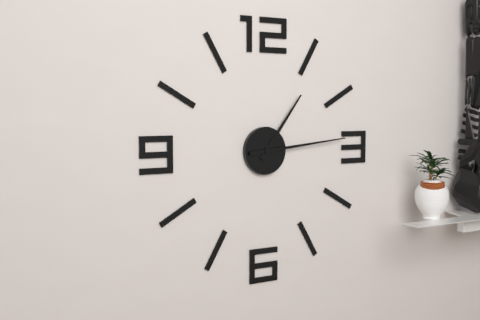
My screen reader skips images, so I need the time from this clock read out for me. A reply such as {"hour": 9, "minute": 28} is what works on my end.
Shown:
{"hour": 1, "minute": 14}
